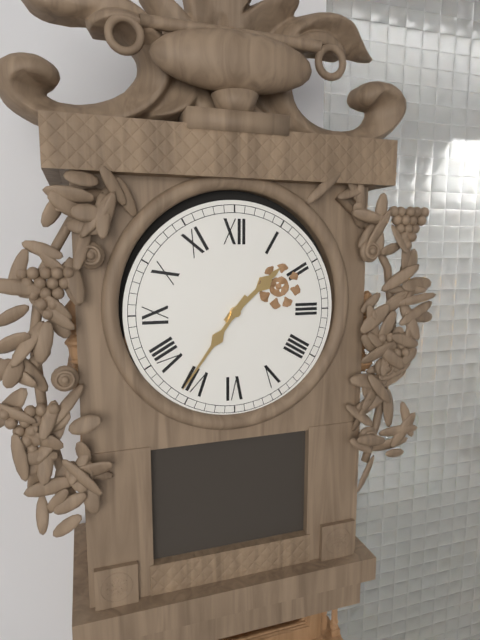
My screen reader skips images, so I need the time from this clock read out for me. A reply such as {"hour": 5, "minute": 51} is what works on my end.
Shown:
{"hour": 1, "minute": 36}
